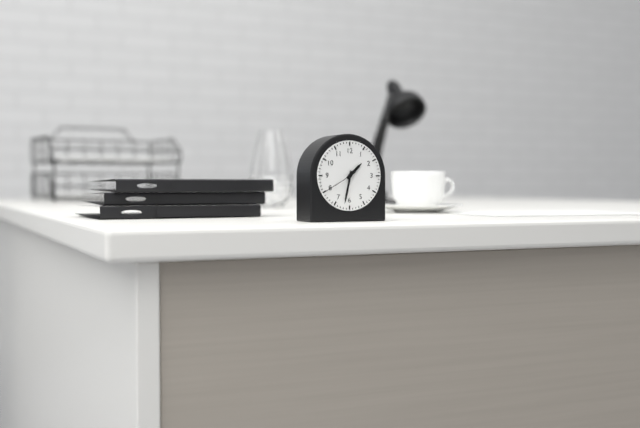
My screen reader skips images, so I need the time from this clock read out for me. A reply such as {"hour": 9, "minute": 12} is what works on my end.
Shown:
{"hour": 1, "minute": 32}
